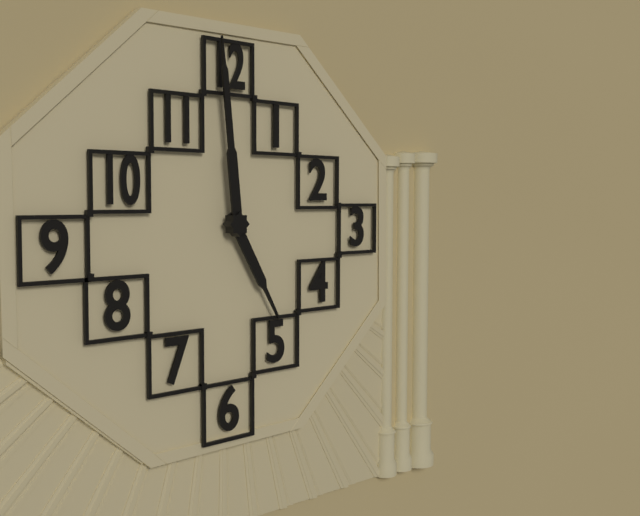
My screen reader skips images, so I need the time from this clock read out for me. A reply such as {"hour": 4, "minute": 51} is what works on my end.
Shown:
{"hour": 4, "minute": 59}
